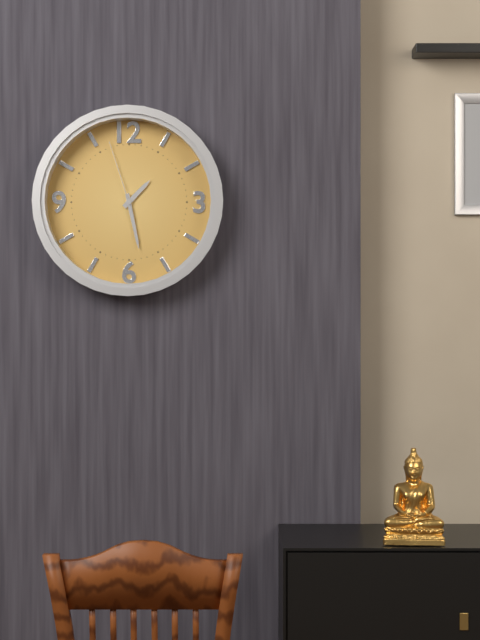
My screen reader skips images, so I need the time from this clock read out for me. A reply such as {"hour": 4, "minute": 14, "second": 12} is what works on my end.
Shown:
{"hour": 1, "minute": 28, "second": 57}
